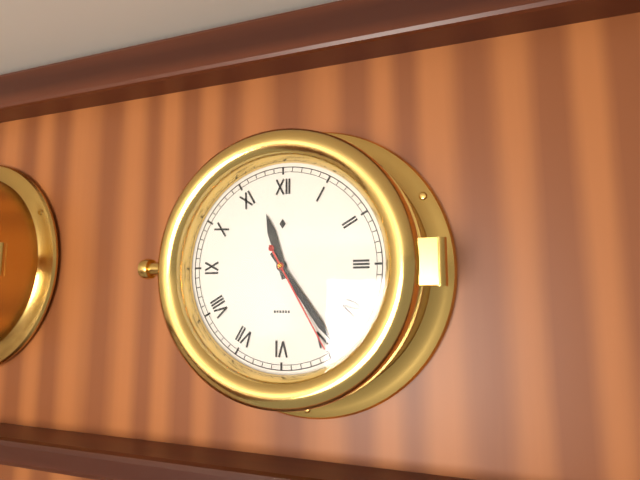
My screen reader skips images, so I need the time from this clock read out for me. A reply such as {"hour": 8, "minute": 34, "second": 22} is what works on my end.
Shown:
{"hour": 11, "minute": 24, "second": 25}
